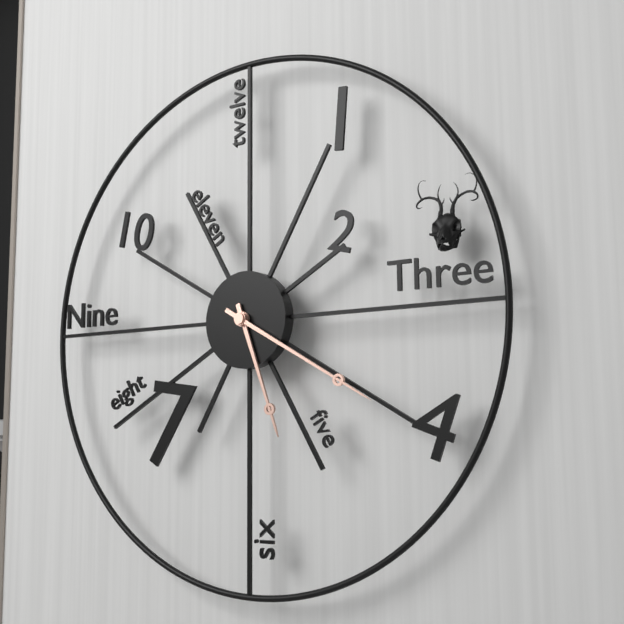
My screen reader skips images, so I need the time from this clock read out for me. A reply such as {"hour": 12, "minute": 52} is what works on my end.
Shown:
{"hour": 5, "minute": 20}
